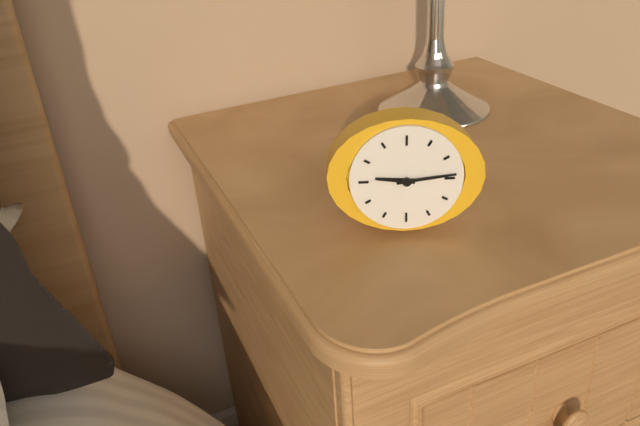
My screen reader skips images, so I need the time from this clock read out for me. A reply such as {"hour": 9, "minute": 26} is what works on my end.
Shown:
{"hour": 9, "minute": 14}
